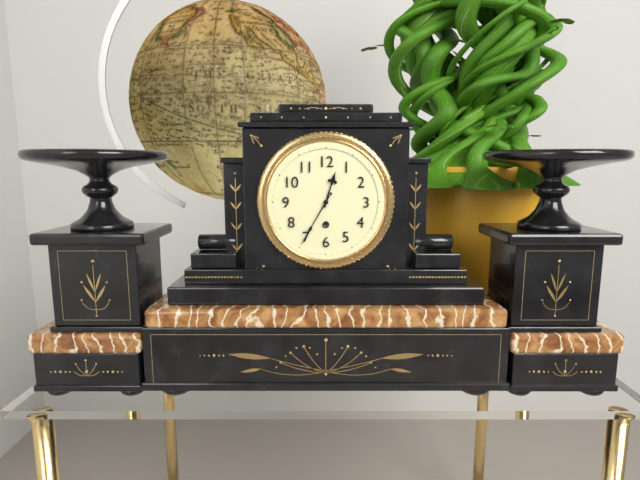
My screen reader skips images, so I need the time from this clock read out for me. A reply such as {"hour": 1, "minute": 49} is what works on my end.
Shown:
{"hour": 12, "minute": 35}
